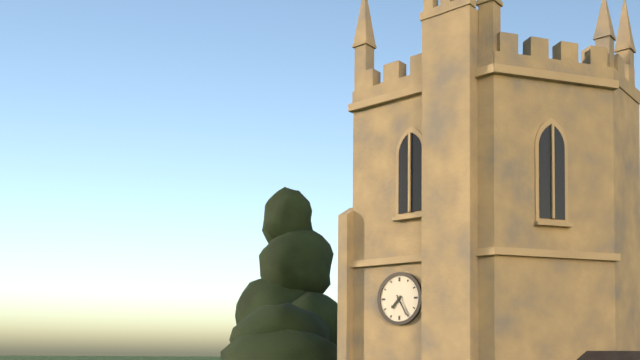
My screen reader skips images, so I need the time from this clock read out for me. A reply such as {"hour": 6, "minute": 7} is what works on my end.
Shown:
{"hour": 7, "minute": 25}
